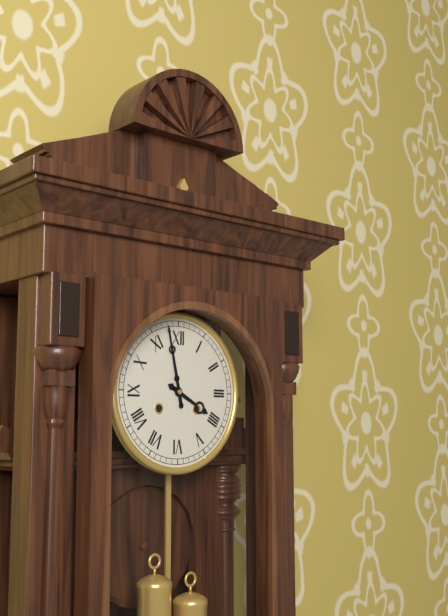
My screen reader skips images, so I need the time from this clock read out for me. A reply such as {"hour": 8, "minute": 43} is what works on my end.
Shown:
{"hour": 3, "minute": 58}
